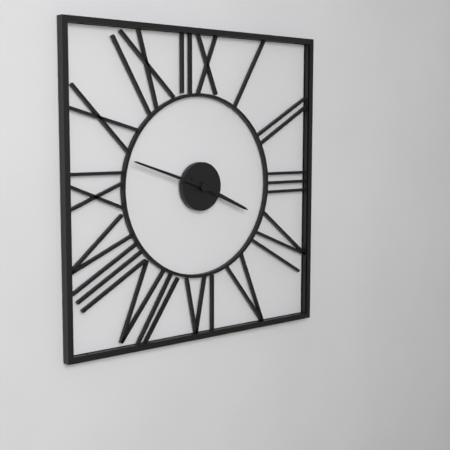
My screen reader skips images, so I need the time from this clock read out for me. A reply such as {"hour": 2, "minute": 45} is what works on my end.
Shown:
{"hour": 3, "minute": 48}
